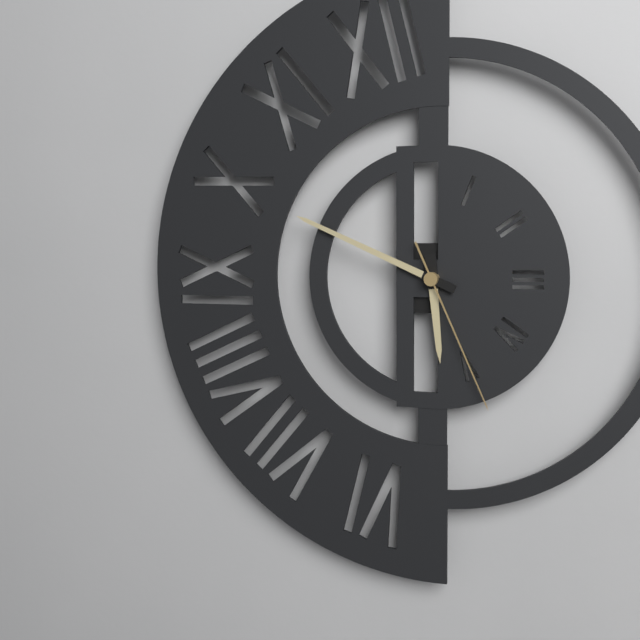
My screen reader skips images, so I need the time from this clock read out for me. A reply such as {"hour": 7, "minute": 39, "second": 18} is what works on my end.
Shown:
{"hour": 5, "minute": 49, "second": 26}
